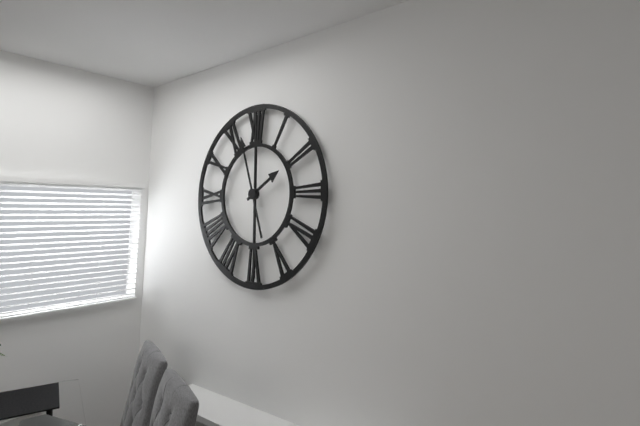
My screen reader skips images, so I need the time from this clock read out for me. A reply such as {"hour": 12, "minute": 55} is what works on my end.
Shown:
{"hour": 1, "minute": 57}
